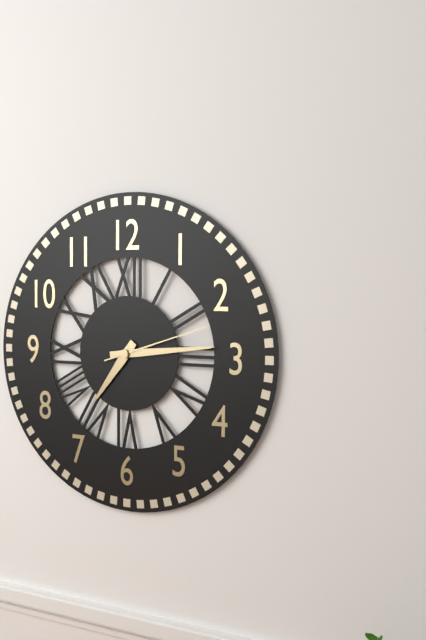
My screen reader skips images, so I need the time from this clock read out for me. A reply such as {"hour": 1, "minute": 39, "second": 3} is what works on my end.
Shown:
{"hour": 7, "minute": 14, "second": 12}
